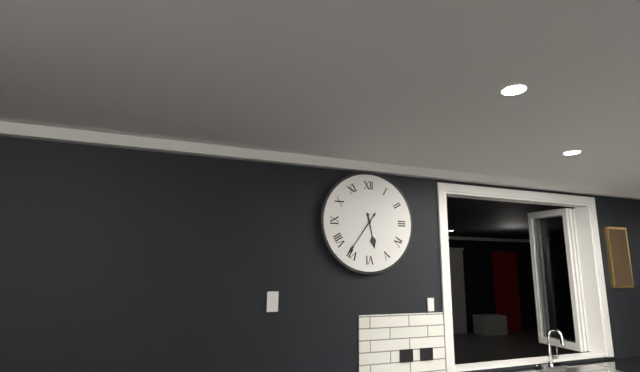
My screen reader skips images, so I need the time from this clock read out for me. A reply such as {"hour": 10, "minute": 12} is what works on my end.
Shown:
{"hour": 5, "minute": 36}
